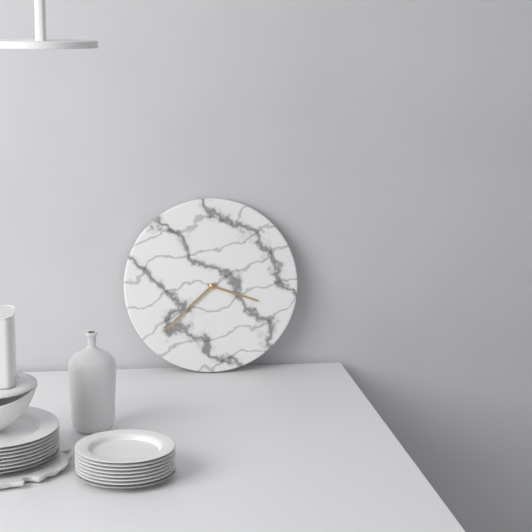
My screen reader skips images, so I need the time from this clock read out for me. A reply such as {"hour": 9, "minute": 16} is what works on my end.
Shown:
{"hour": 3, "minute": 38}
